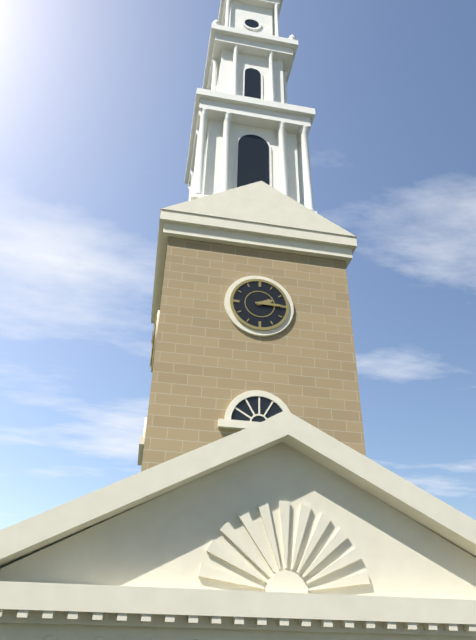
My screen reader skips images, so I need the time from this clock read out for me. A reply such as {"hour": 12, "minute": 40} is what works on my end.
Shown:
{"hour": 2, "minute": 15}
